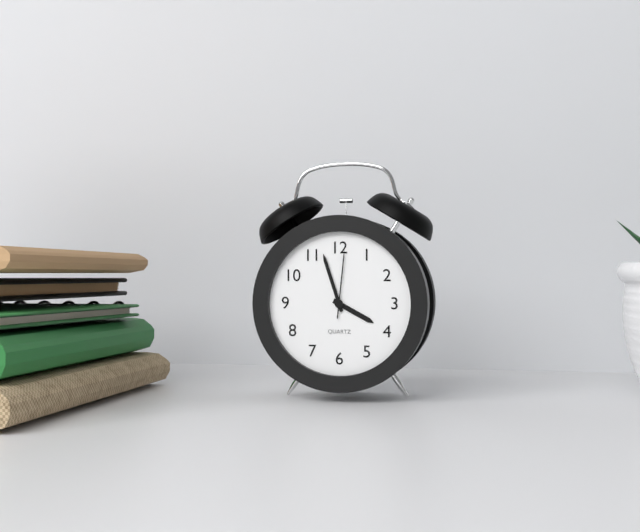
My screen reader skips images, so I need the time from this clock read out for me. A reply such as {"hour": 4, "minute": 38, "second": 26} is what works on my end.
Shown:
{"hour": 3, "minute": 57, "second": 1}
